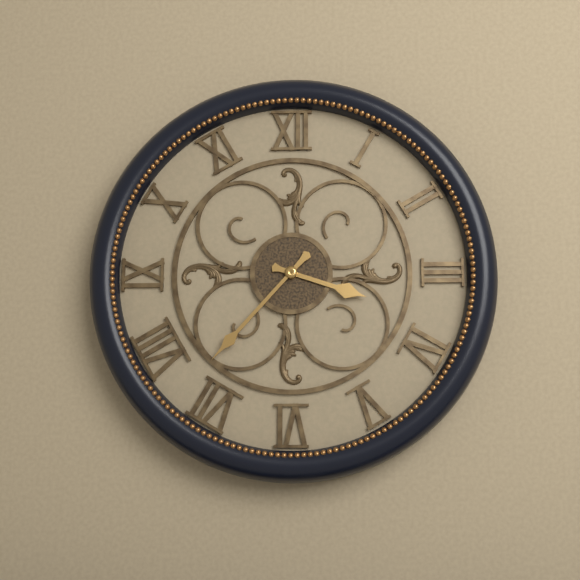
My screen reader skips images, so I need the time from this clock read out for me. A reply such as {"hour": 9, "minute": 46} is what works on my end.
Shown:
{"hour": 3, "minute": 37}
